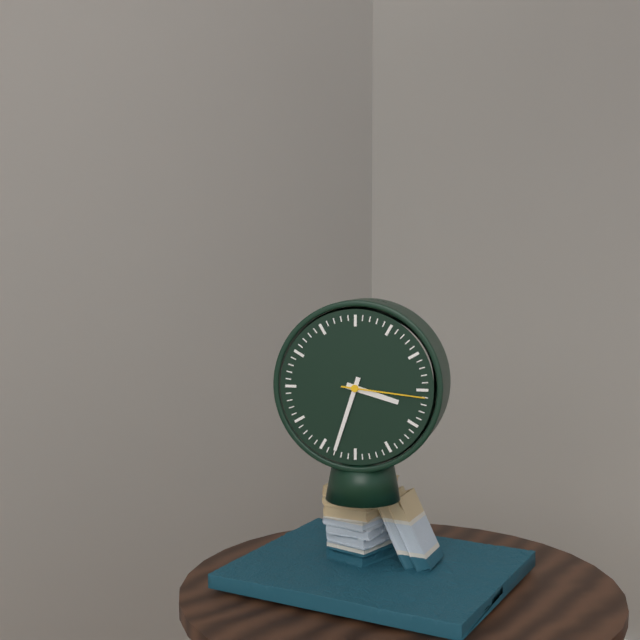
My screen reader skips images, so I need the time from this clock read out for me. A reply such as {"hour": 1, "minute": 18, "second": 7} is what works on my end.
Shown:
{"hour": 3, "minute": 33, "second": 16}
